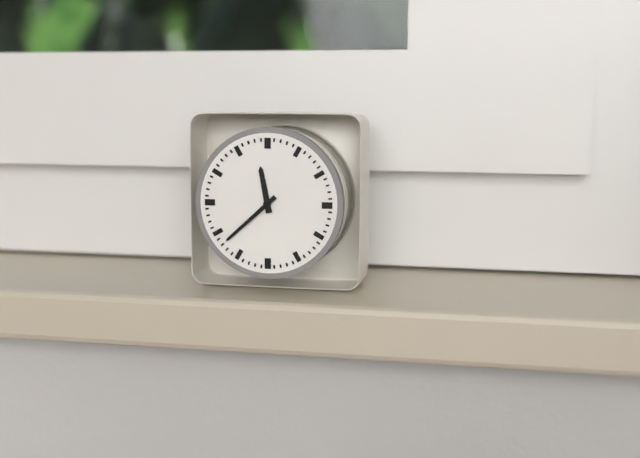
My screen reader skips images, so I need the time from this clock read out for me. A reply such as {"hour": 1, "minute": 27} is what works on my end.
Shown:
{"hour": 11, "minute": 38}
